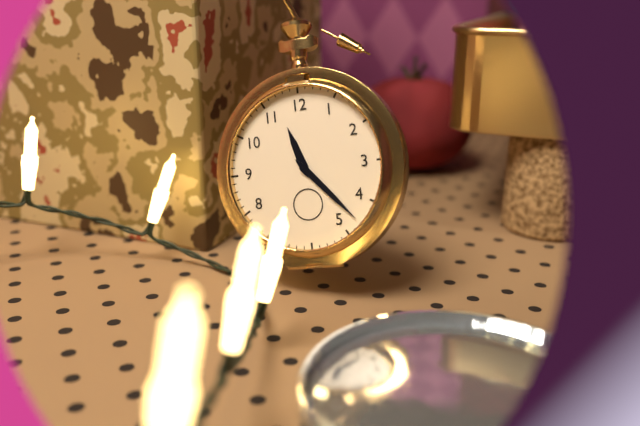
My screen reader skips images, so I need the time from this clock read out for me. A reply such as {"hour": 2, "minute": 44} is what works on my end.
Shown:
{"hour": 11, "minute": 23}
